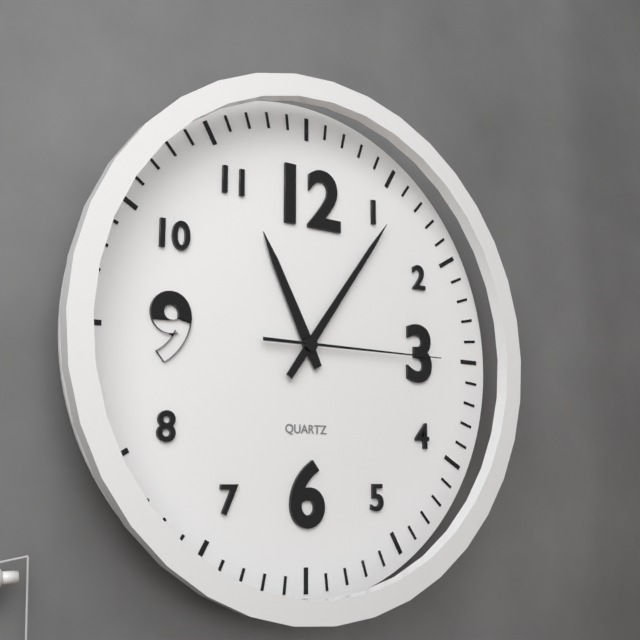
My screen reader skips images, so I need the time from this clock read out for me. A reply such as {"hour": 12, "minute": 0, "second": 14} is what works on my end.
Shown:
{"hour": 11, "minute": 6, "second": 15}
